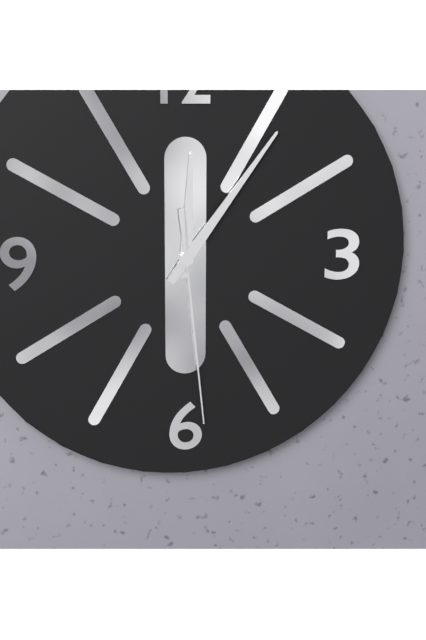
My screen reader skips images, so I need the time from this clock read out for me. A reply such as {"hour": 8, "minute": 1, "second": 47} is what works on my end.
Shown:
{"hour": 12, "minute": 6, "second": 29}
